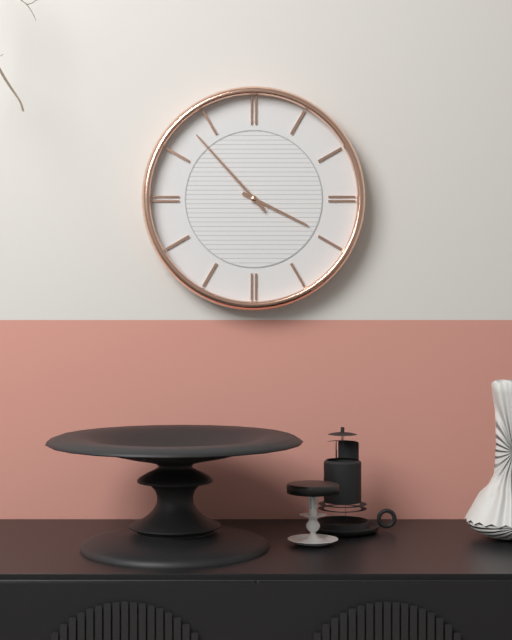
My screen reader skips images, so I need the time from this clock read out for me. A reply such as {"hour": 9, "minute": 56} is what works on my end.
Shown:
{"hour": 3, "minute": 53}
